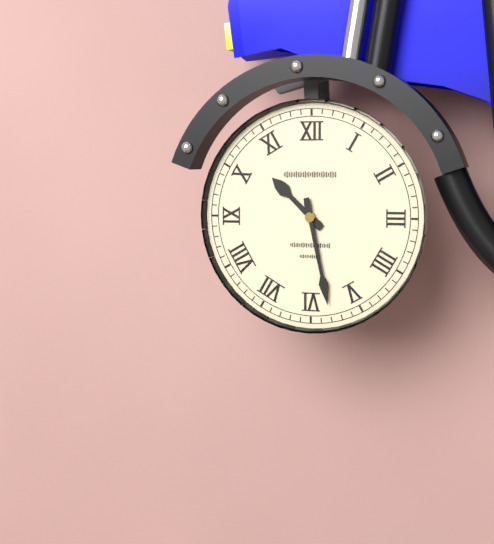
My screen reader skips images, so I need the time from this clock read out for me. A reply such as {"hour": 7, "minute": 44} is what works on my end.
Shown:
{"hour": 10, "minute": 28}
